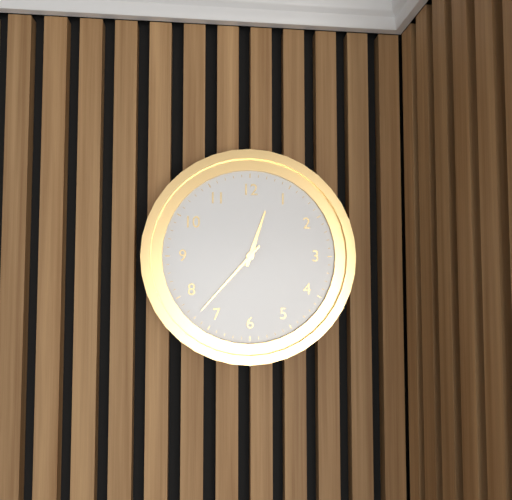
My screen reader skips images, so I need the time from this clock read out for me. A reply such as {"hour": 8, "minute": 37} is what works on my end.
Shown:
{"hour": 12, "minute": 37}
